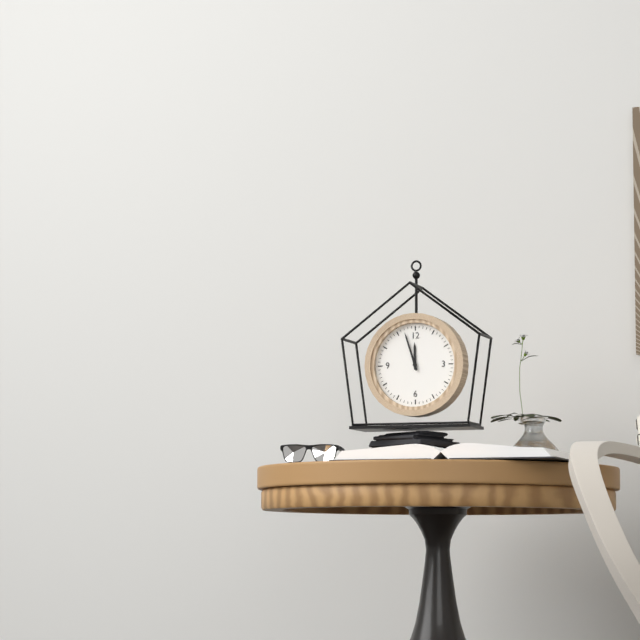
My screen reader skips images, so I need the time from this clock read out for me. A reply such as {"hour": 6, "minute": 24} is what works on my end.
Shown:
{"hour": 11, "minute": 57}
